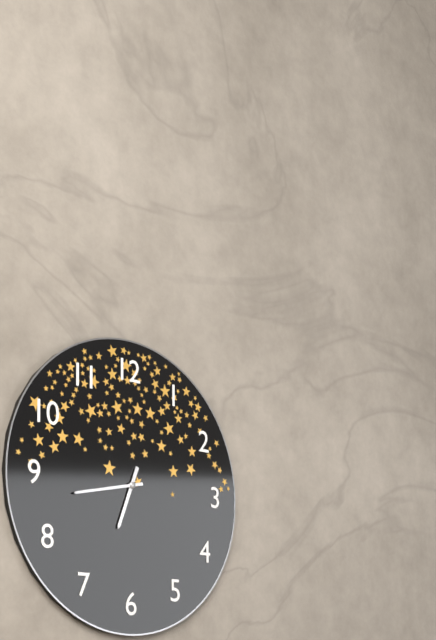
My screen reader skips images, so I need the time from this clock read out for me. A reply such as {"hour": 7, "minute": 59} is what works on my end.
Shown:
{"hour": 6, "minute": 43}
